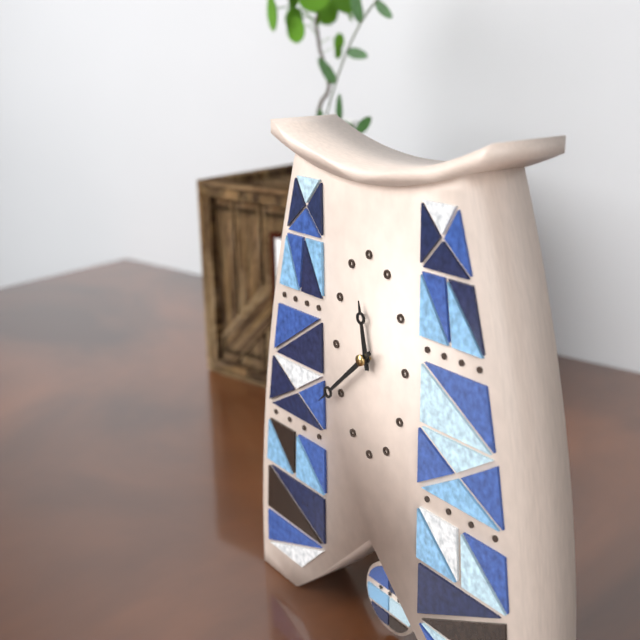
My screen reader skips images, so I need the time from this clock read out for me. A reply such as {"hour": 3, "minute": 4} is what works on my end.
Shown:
{"hour": 11, "minute": 38}
